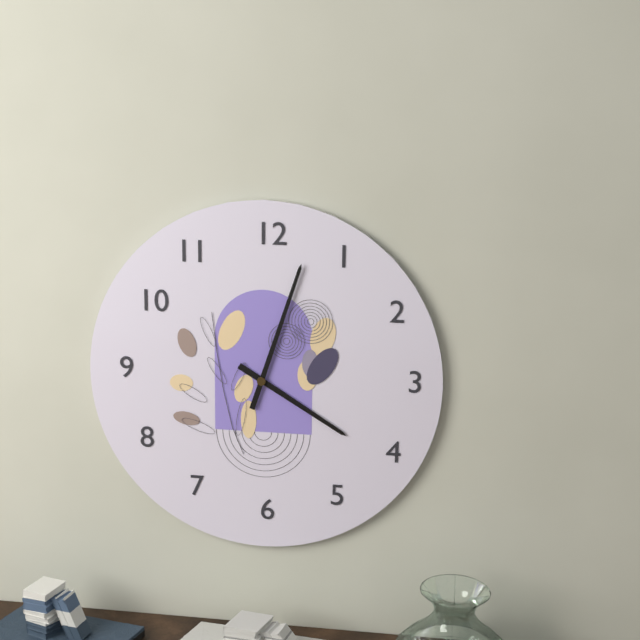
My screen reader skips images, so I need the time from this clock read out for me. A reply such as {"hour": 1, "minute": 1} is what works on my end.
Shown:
{"hour": 4, "minute": 3}
